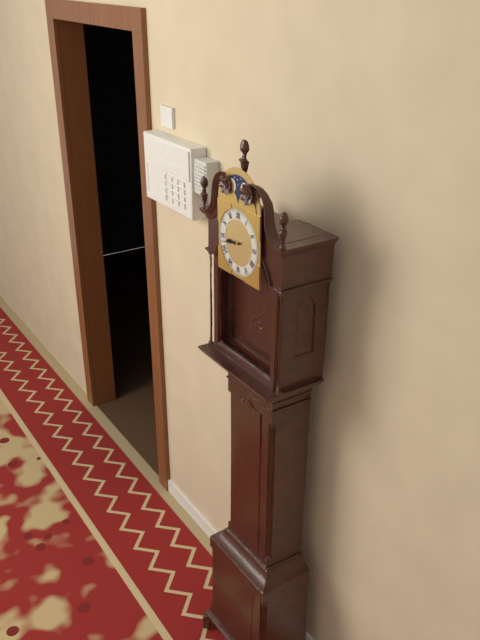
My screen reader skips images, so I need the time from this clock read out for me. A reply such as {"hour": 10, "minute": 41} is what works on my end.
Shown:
{"hour": 8, "minute": 43}
